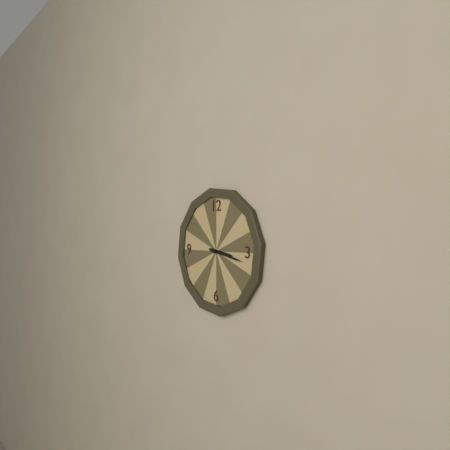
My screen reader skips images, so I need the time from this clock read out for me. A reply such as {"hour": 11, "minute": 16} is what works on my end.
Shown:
{"hour": 3, "minute": 17}
